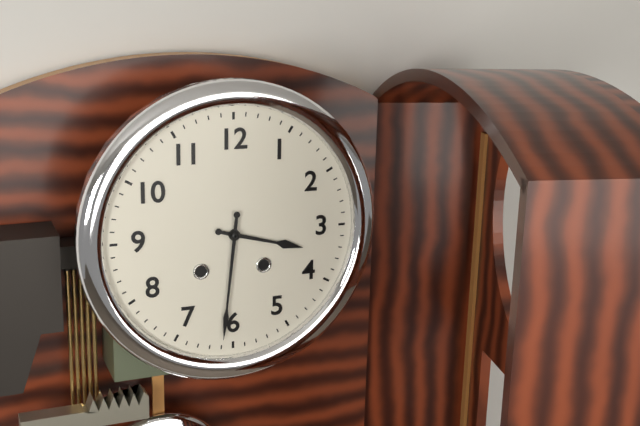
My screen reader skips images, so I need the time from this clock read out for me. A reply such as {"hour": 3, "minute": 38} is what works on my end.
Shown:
{"hour": 3, "minute": 31}
